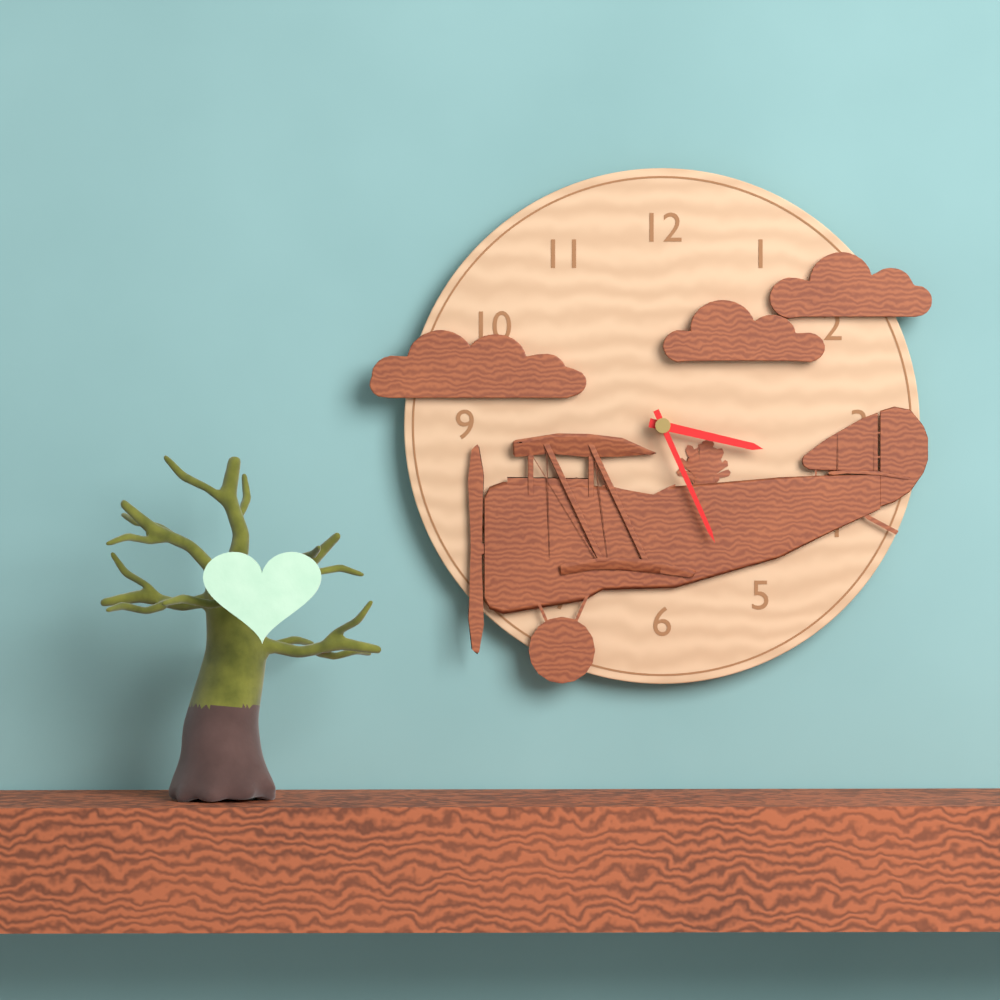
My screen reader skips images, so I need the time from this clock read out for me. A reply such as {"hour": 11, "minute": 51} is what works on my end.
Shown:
{"hour": 3, "minute": 26}
